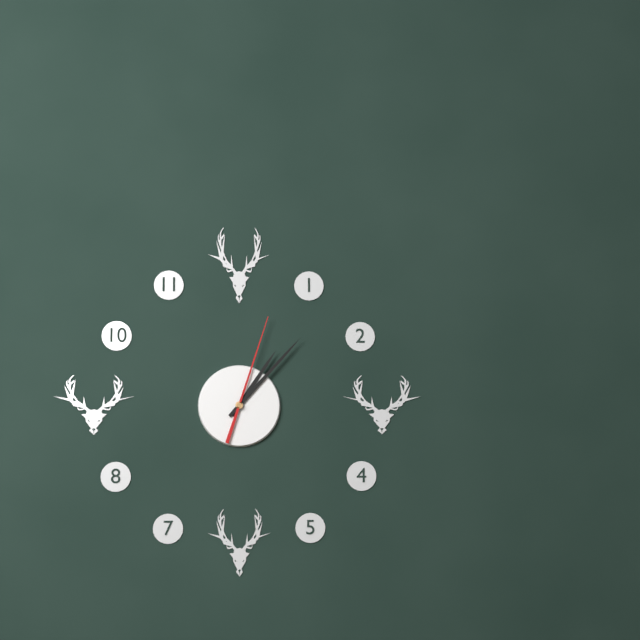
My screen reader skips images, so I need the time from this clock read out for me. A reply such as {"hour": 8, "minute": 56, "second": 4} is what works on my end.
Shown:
{"hour": 1, "minute": 7, "second": 3}
